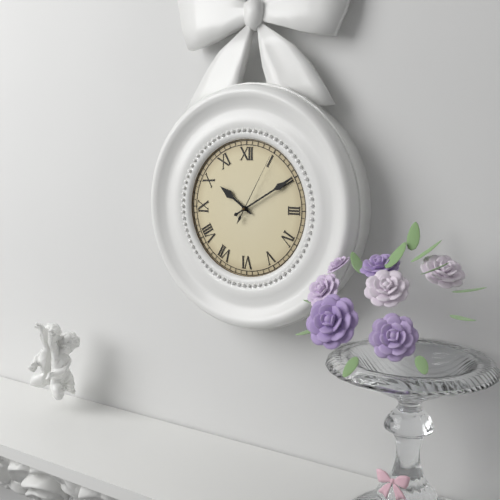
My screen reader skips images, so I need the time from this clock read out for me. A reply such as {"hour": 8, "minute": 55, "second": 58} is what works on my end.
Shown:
{"hour": 10, "minute": 10, "second": 5}
